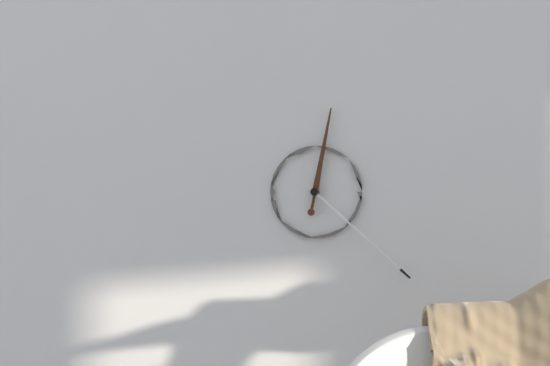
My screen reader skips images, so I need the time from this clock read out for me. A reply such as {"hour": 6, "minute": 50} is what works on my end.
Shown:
{"hour": 12, "minute": 22}
